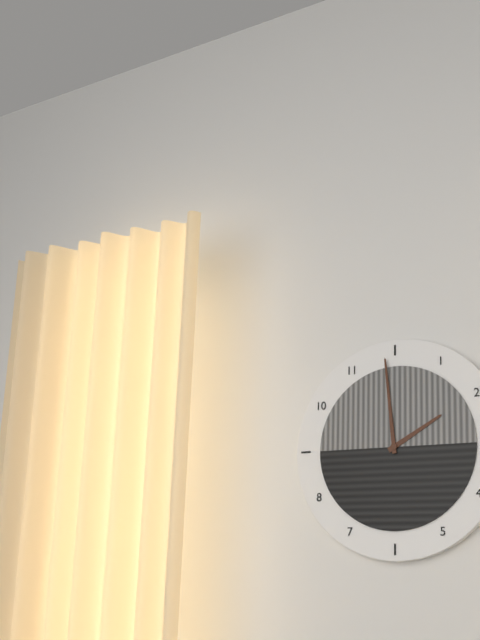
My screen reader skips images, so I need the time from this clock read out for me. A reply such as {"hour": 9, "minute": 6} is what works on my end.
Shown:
{"hour": 1, "minute": 59}
